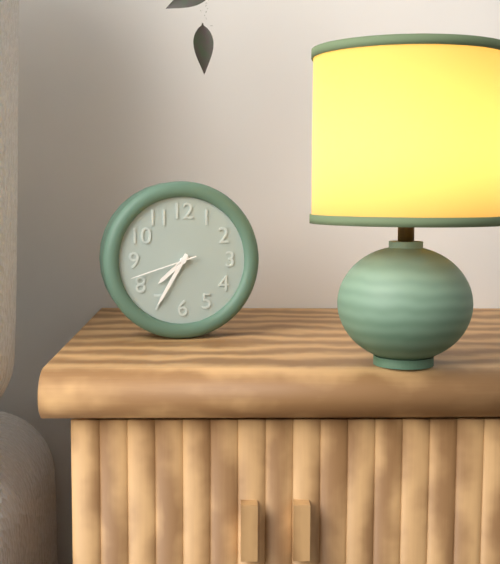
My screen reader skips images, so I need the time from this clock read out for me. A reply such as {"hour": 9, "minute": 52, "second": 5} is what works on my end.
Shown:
{"hour": 7, "minute": 35, "second": 42}
